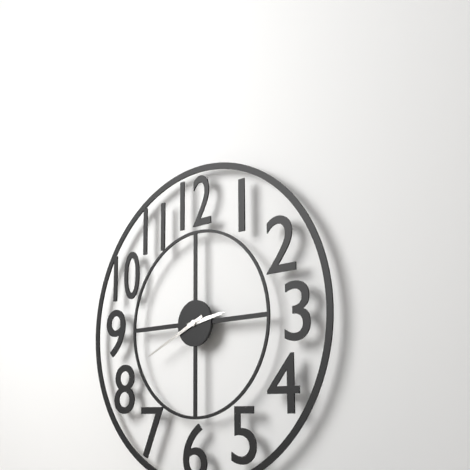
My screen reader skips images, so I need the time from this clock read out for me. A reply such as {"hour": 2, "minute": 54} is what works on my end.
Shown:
{"hour": 2, "minute": 41}
